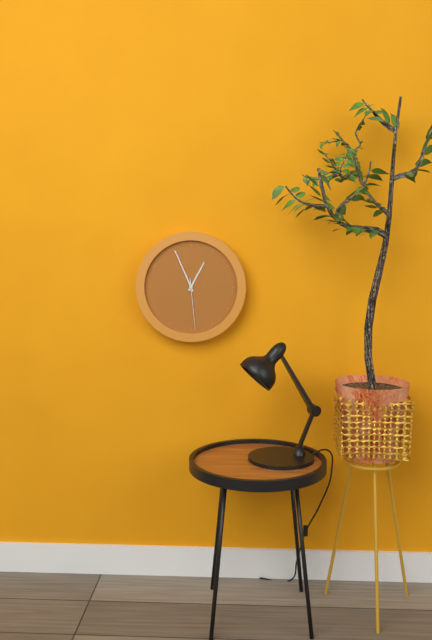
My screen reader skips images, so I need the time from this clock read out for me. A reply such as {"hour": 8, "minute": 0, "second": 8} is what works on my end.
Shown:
{"hour": 12, "minute": 56, "second": 29}
